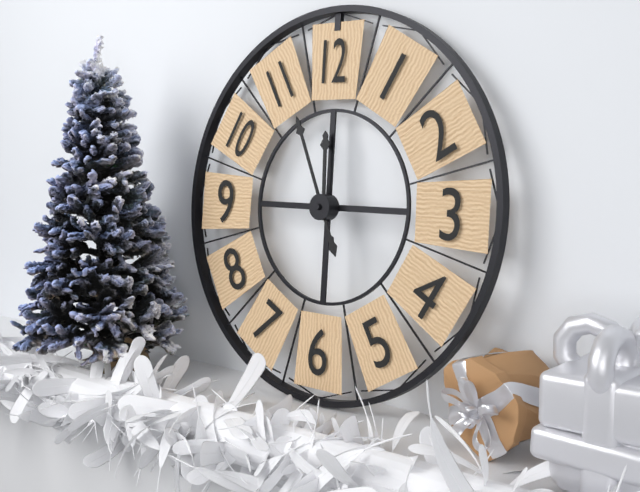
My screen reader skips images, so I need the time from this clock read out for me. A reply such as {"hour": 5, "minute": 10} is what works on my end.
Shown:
{"hour": 11, "minute": 56}
